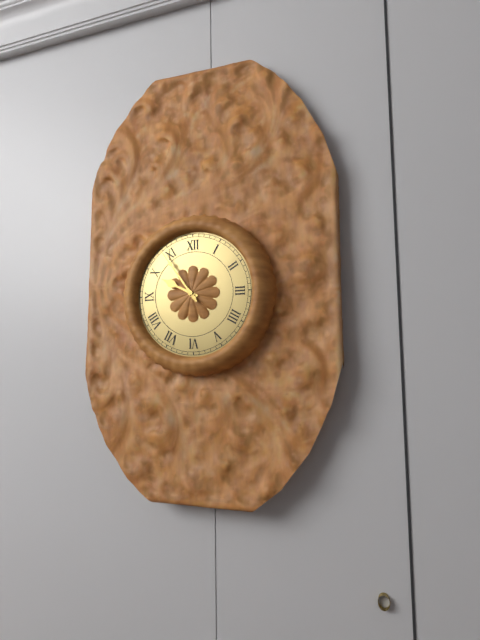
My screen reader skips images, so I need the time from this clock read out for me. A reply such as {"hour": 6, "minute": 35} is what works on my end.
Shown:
{"hour": 9, "minute": 54}
